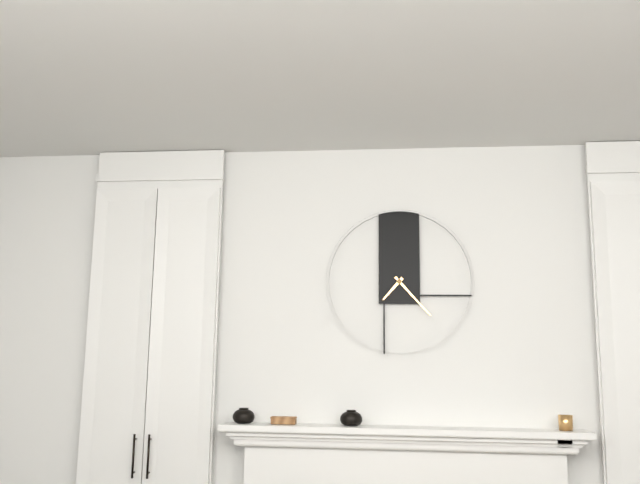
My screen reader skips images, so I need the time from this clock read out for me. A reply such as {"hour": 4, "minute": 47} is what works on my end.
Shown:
{"hour": 7, "minute": 23}
